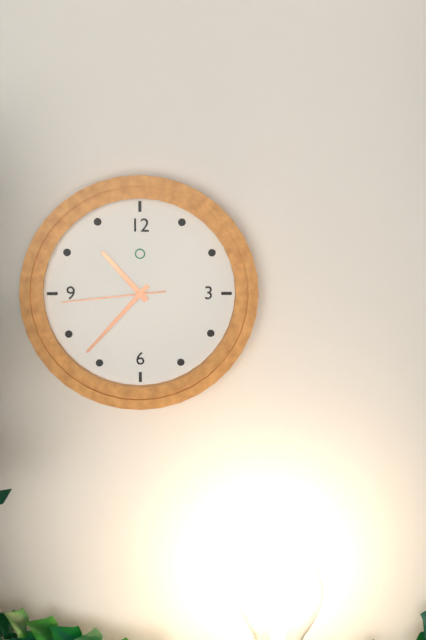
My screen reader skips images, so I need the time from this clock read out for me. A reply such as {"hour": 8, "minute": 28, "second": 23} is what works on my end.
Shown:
{"hour": 10, "minute": 37, "second": 44}
